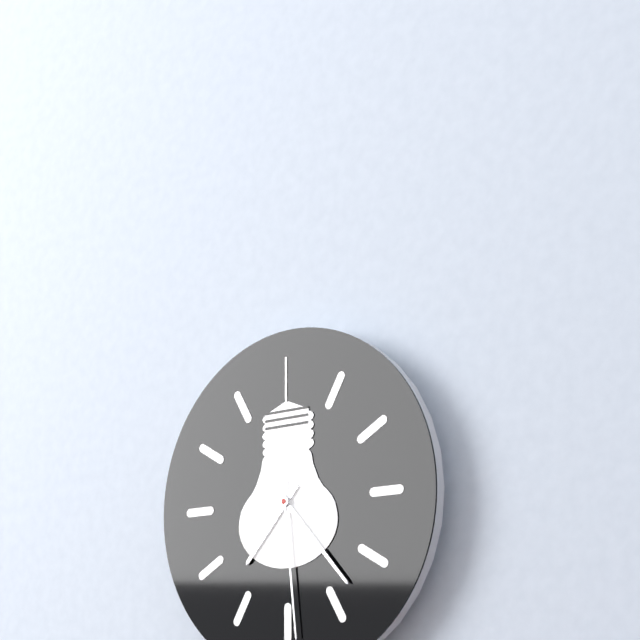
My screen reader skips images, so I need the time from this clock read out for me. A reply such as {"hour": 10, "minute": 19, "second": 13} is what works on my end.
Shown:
{"hour": 7, "minute": 23, "second": 29}
